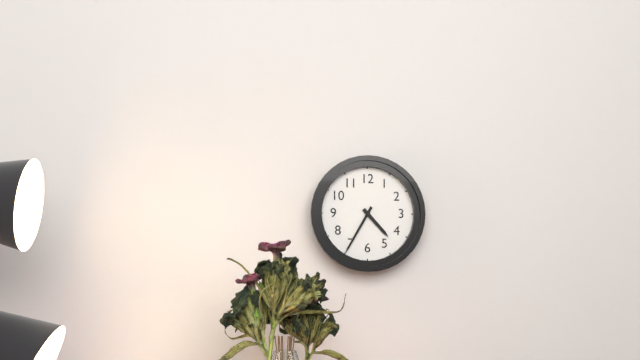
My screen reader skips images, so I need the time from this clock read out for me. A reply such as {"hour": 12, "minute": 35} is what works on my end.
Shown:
{"hour": 4, "minute": 35}
